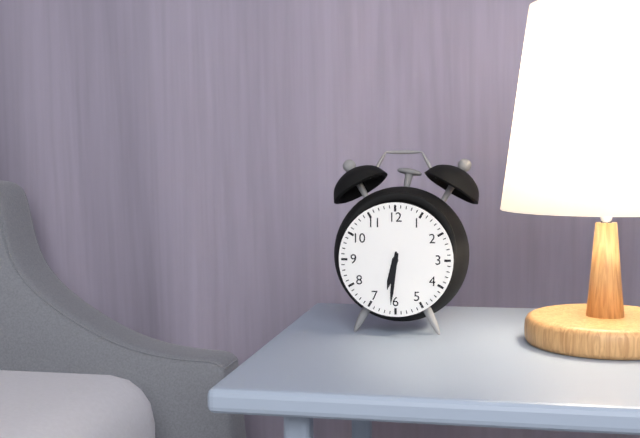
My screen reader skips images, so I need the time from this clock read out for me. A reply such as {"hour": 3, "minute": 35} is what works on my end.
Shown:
{"hour": 6, "minute": 31}
